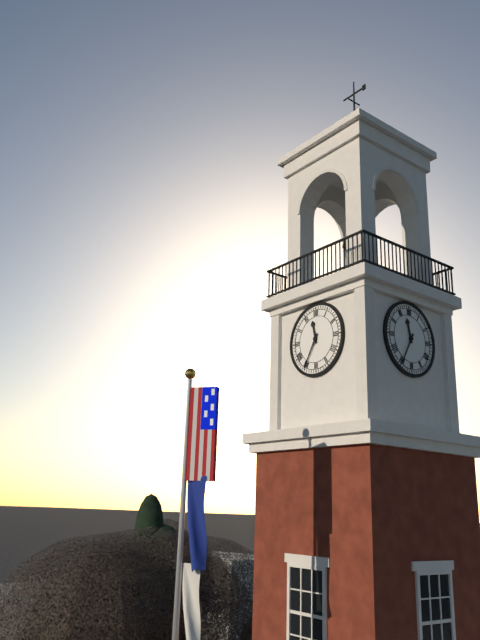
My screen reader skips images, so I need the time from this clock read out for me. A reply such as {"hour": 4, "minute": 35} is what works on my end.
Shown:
{"hour": 11, "minute": 35}
